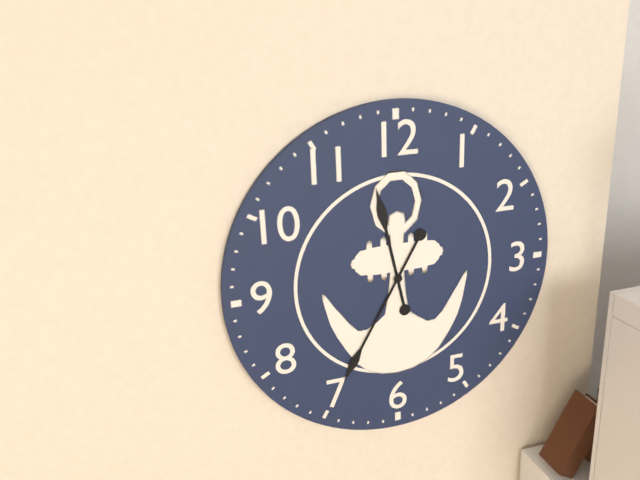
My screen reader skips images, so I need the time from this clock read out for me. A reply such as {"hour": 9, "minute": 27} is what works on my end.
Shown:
{"hour": 11, "minute": 35}
